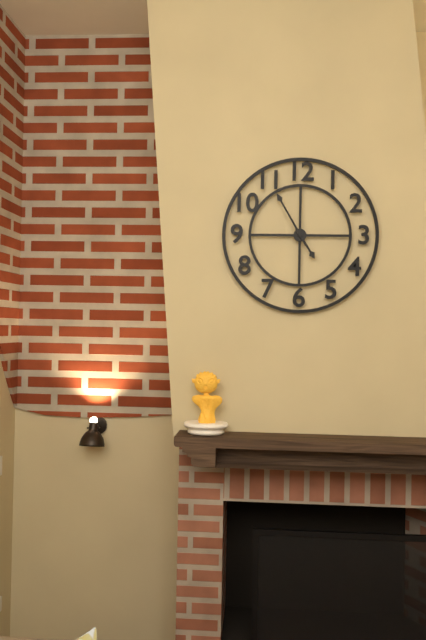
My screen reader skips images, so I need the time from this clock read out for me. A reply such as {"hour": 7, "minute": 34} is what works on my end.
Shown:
{"hour": 4, "minute": 55}
